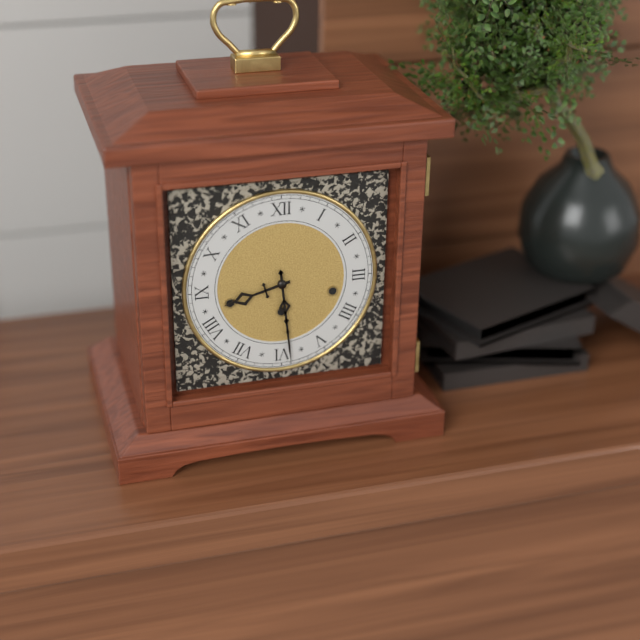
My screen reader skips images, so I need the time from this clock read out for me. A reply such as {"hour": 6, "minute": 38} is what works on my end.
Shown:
{"hour": 8, "minute": 29}
